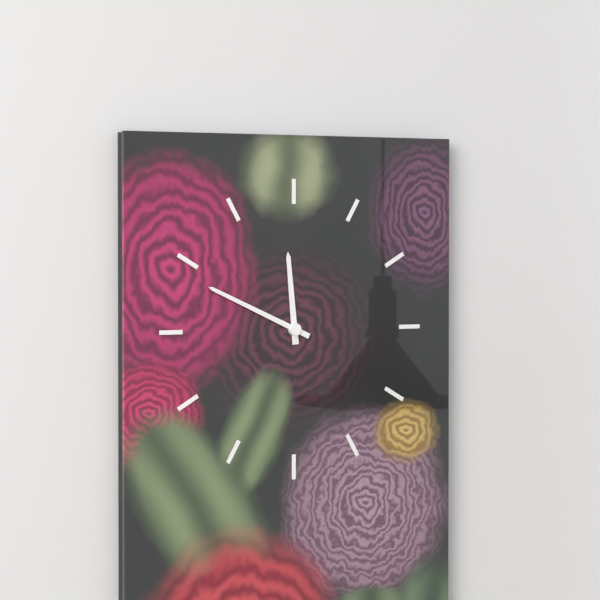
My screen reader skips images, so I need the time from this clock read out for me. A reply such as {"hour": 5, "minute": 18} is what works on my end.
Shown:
{"hour": 11, "minute": 49}
